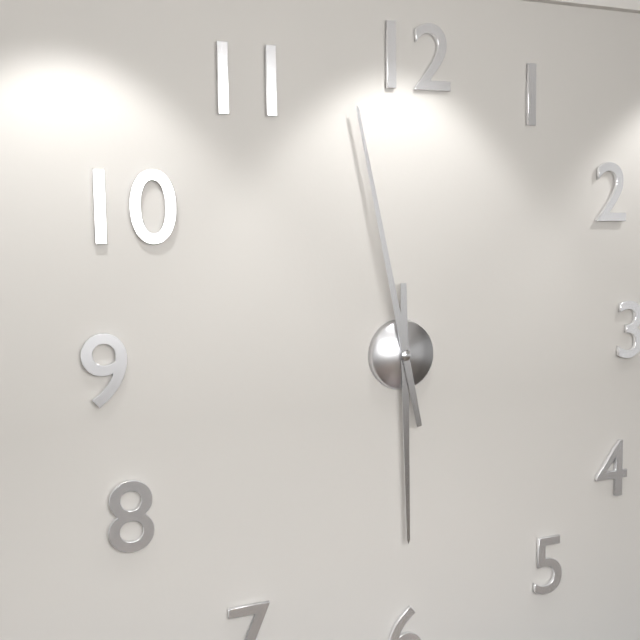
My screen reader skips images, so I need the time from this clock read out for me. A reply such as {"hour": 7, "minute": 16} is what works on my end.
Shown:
{"hour": 5, "minute": 58}
